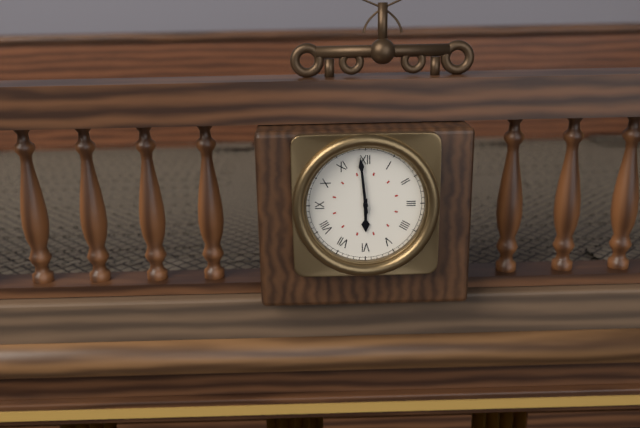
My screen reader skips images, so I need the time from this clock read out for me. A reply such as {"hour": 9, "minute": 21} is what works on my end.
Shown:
{"hour": 5, "minute": 59}
